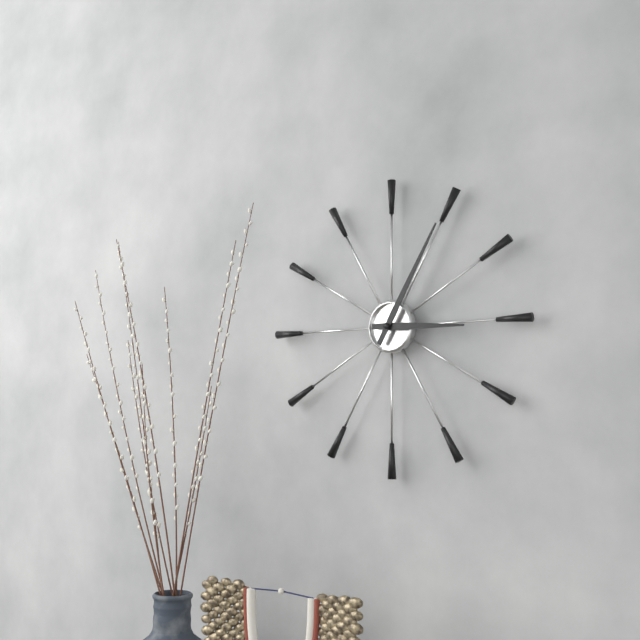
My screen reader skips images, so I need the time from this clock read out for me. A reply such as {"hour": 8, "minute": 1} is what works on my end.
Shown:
{"hour": 3, "minute": 5}
